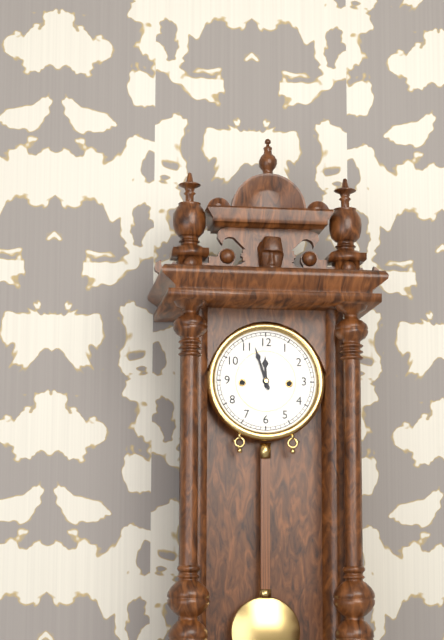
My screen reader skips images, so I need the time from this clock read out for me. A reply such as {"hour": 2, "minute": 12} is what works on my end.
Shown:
{"hour": 11, "minute": 57}
